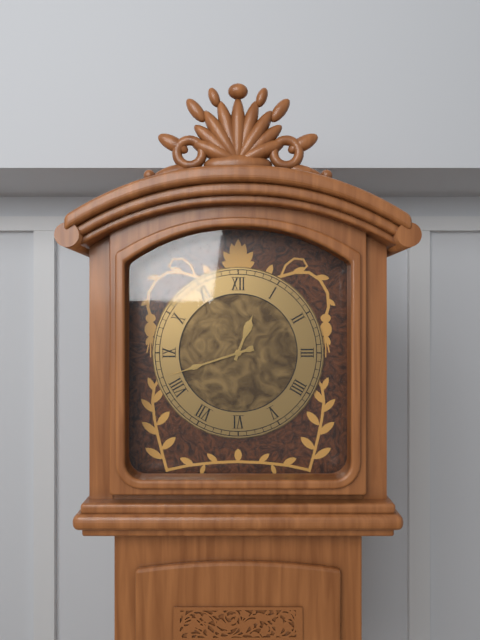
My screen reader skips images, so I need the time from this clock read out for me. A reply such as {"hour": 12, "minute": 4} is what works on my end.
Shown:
{"hour": 12, "minute": 42}
